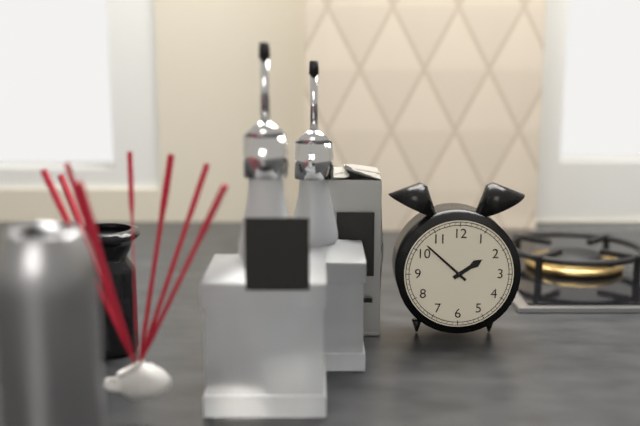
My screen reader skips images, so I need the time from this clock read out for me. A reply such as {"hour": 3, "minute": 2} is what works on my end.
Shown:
{"hour": 1, "minute": 52}
